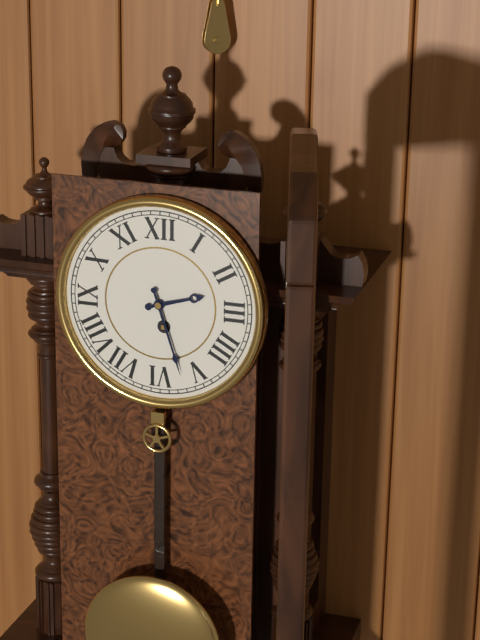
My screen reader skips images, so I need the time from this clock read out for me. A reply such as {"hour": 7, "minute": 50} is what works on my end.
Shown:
{"hour": 2, "minute": 27}
